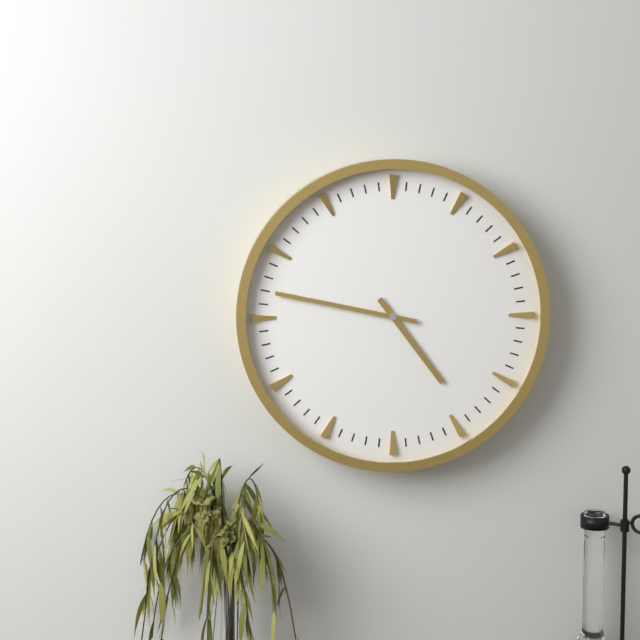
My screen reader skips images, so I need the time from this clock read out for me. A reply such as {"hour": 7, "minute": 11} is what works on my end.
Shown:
{"hour": 4, "minute": 47}
